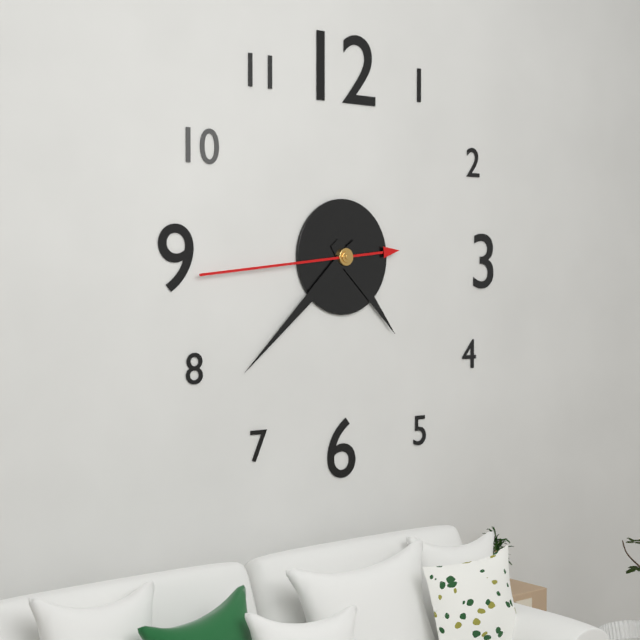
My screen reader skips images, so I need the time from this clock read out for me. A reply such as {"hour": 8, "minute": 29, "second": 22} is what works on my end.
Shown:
{"hour": 4, "minute": 38, "second": 44}
